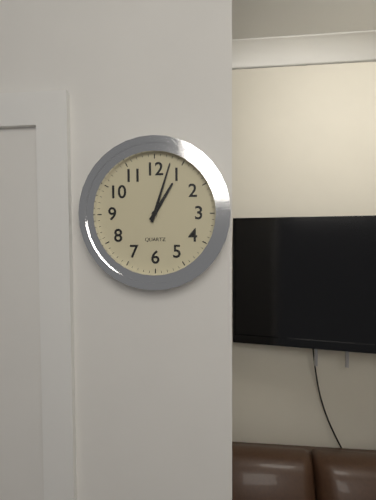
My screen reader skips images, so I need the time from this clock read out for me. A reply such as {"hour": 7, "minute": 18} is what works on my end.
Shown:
{"hour": 1, "minute": 3}
